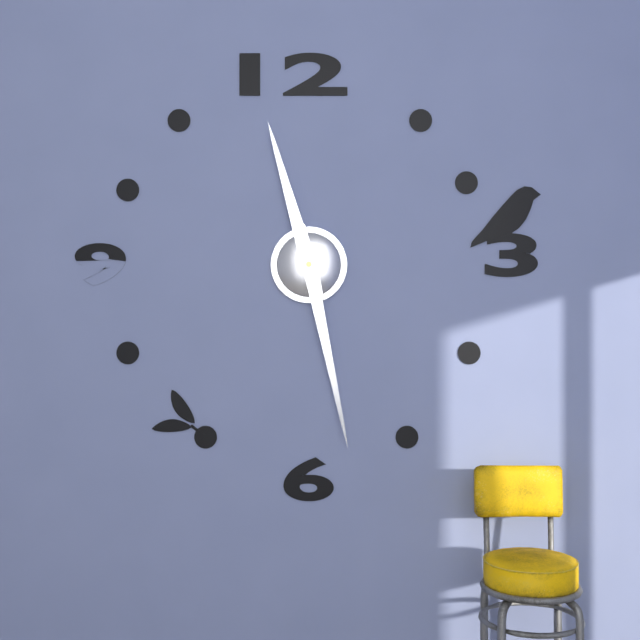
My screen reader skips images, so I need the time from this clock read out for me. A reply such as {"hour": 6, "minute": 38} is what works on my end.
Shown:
{"hour": 11, "minute": 28}
